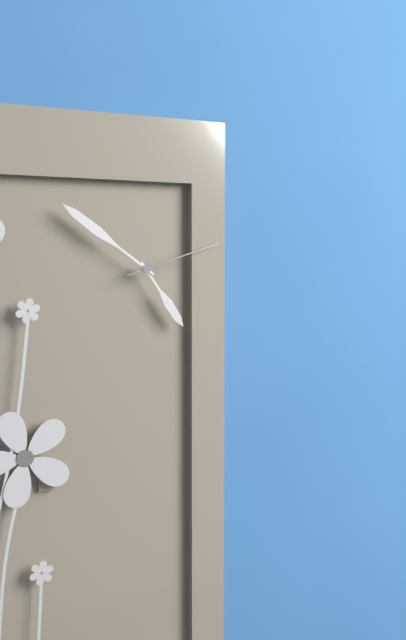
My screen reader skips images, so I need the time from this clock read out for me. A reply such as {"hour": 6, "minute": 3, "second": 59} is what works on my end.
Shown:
{"hour": 4, "minute": 51, "second": 12}
